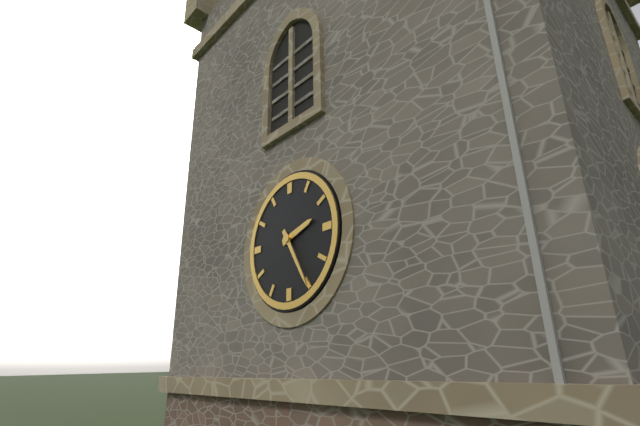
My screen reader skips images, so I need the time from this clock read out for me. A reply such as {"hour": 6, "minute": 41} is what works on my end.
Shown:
{"hour": 2, "minute": 25}
